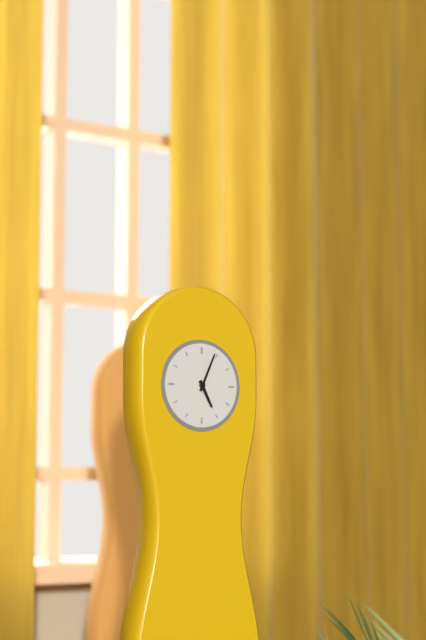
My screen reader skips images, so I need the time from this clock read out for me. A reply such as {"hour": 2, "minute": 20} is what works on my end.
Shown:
{"hour": 5, "minute": 4}
